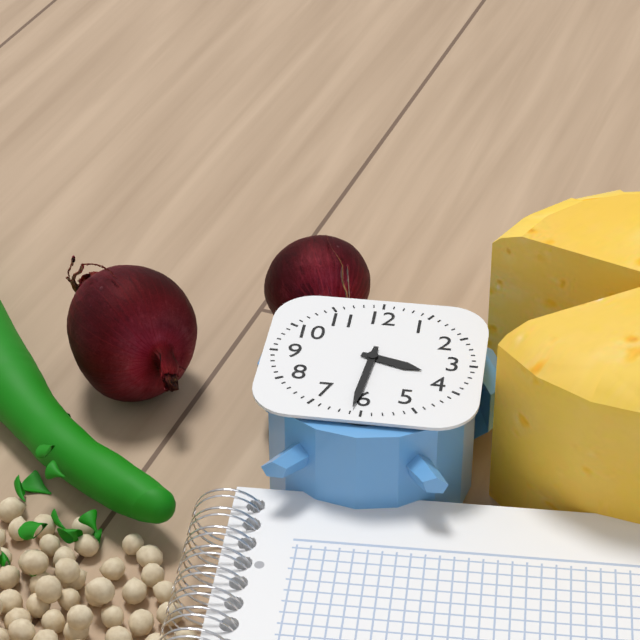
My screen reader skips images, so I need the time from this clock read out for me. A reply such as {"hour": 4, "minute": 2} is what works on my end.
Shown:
{"hour": 3, "minute": 31}
